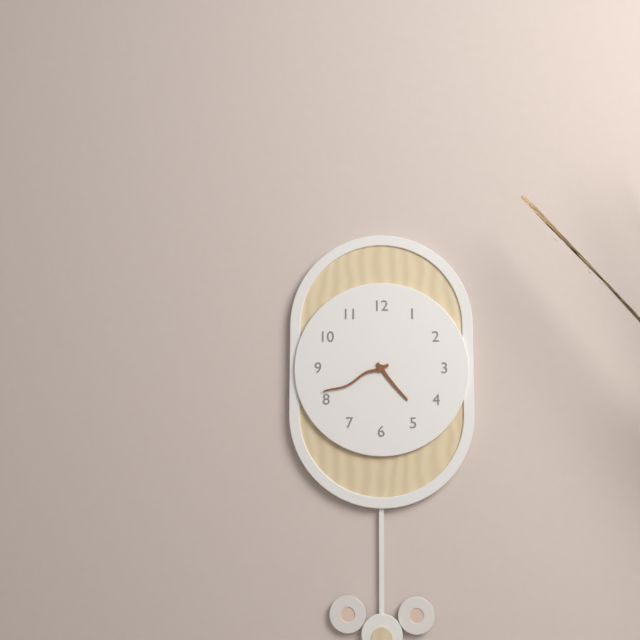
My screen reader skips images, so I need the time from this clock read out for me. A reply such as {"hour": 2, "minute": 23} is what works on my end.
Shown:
{"hour": 4, "minute": 41}
